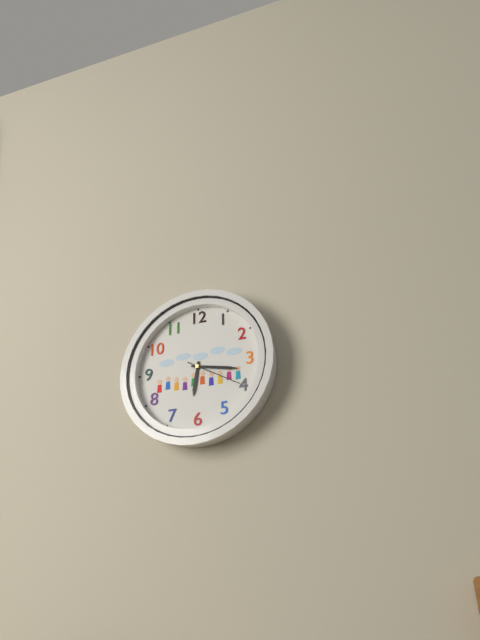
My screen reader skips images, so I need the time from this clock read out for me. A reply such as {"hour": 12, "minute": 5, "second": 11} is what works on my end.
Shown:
{"hour": 6, "minute": 17, "second": 20}
